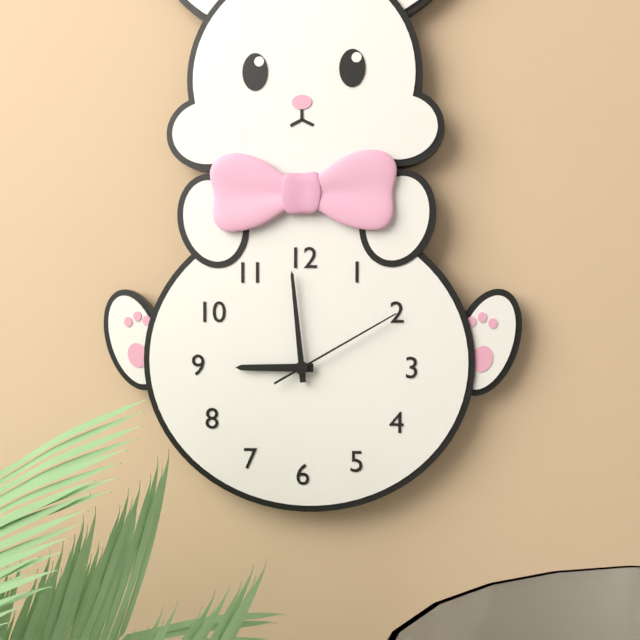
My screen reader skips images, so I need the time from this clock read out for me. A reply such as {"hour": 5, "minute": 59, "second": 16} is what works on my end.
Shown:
{"hour": 8, "minute": 59, "second": 10}
